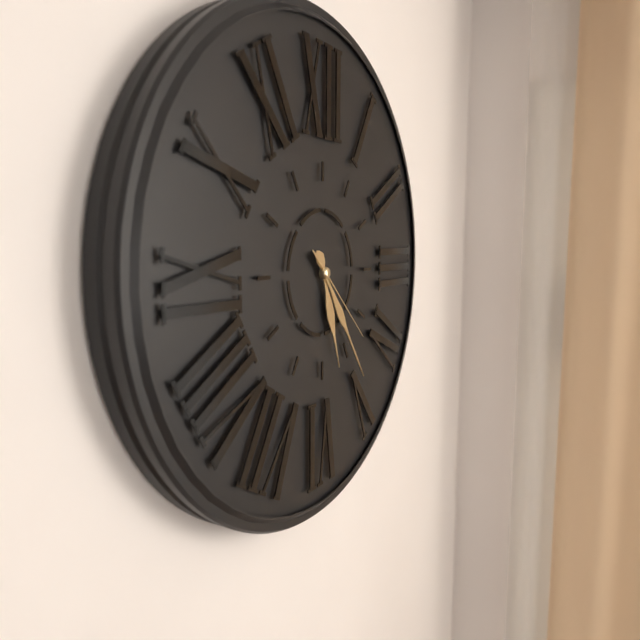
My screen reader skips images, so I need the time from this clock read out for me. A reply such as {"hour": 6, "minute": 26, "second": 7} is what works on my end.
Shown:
{"hour": 5, "minute": 24, "second": 22}
